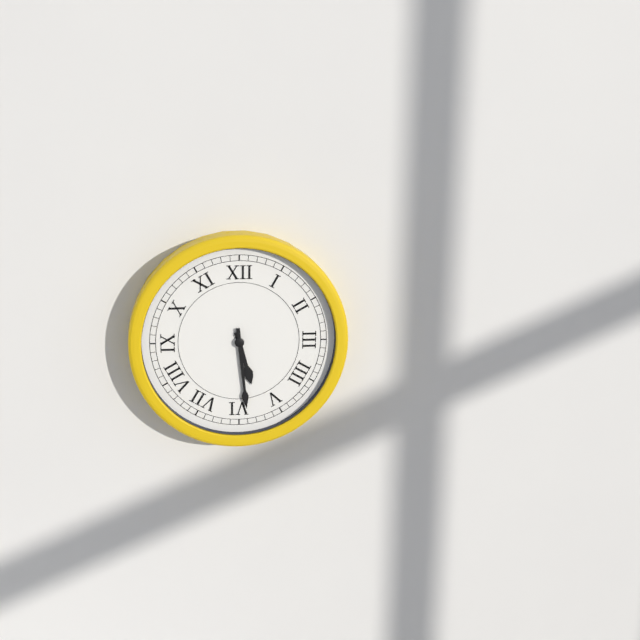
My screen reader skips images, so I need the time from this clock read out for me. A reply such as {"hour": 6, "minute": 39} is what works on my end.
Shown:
{"hour": 5, "minute": 29}
